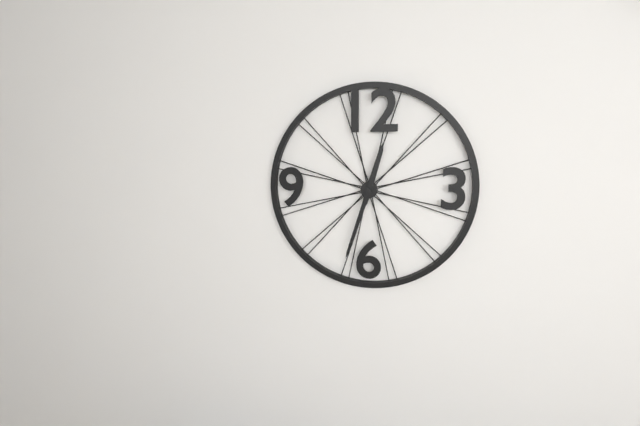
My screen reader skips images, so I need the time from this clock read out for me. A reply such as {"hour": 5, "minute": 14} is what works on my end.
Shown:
{"hour": 12, "minute": 33}
